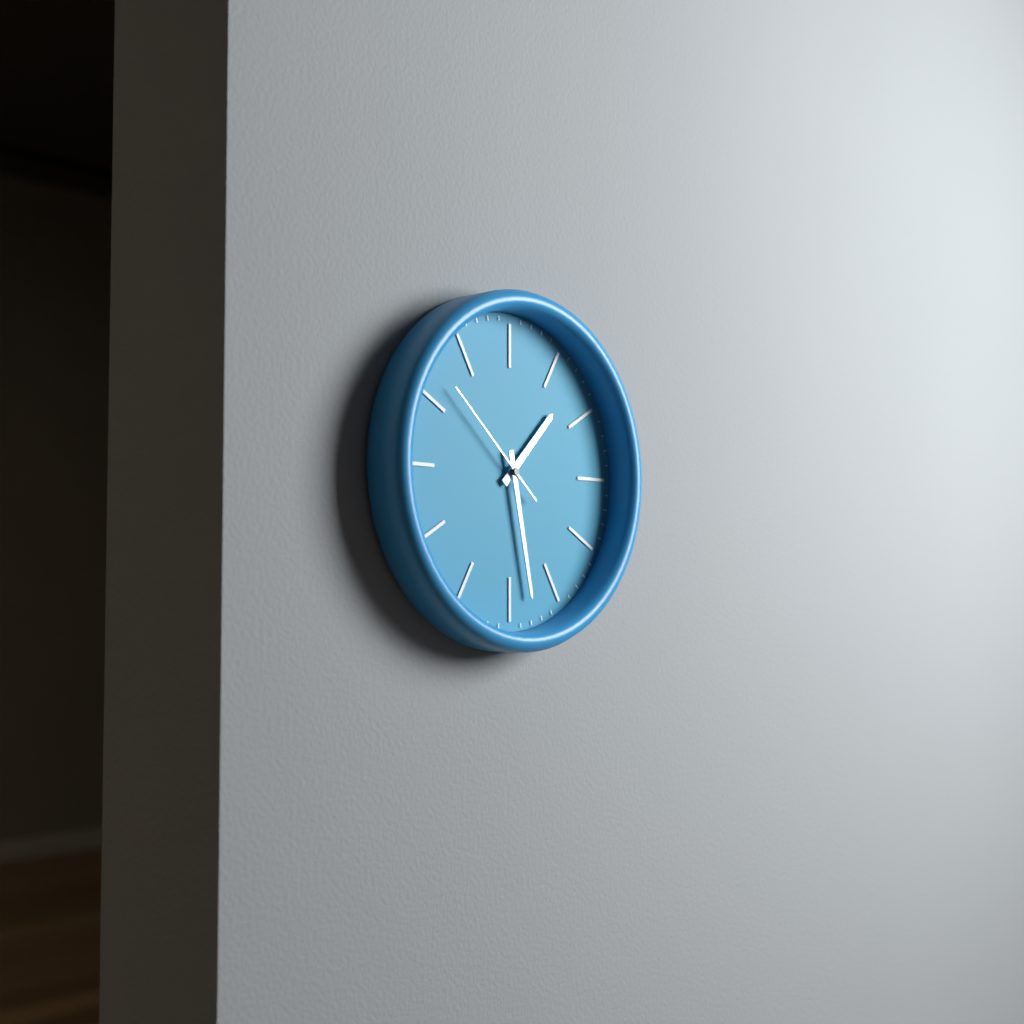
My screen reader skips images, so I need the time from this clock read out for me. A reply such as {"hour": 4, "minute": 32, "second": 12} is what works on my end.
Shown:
{"hour": 1, "minute": 28, "second": 52}
